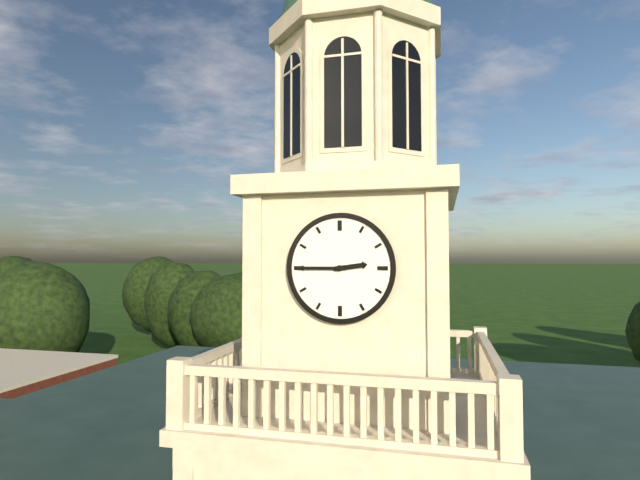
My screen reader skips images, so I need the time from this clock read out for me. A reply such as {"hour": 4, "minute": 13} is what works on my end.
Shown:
{"hour": 2, "minute": 45}
